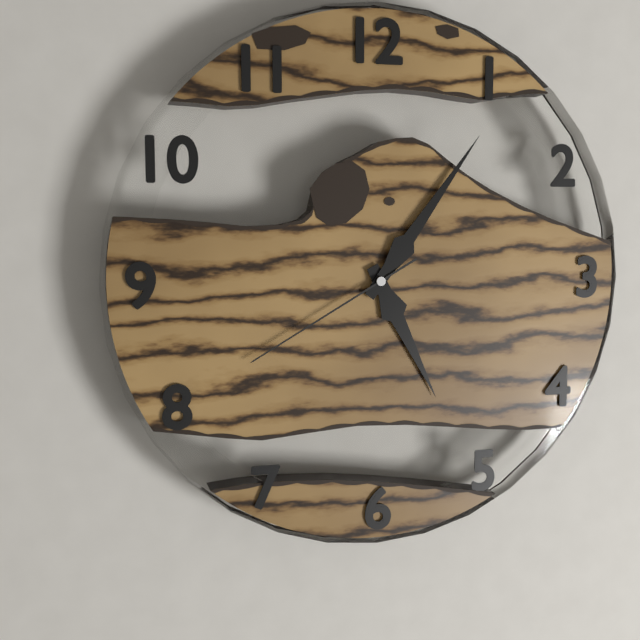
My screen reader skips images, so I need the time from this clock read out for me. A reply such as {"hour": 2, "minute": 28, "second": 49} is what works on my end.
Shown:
{"hour": 5, "minute": 6, "second": 40}
